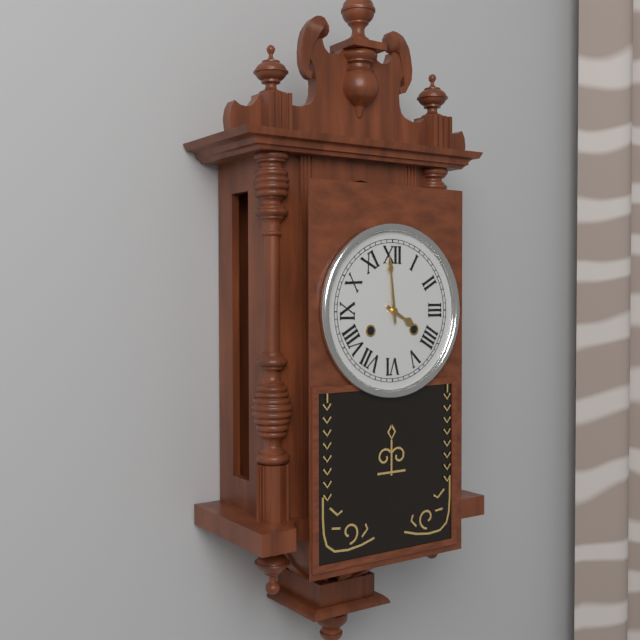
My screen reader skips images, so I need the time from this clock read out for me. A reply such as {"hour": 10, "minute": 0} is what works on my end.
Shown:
{"hour": 3, "minute": 59}
